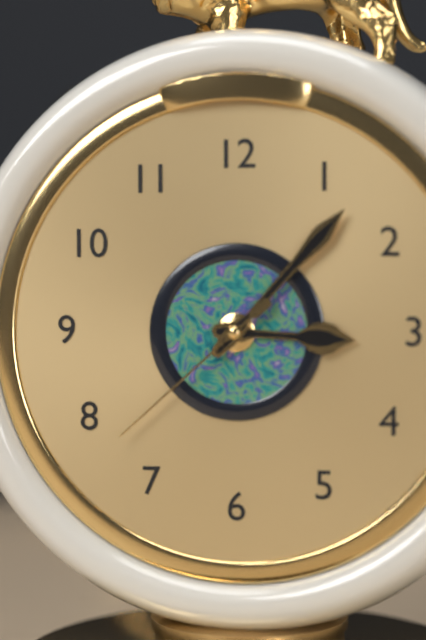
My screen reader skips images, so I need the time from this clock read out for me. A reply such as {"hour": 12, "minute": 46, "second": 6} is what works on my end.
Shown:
{"hour": 3, "minute": 7, "second": 38}
